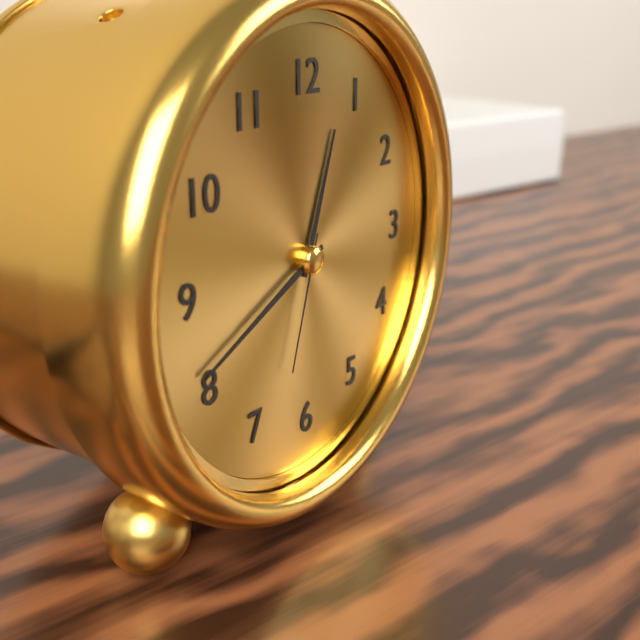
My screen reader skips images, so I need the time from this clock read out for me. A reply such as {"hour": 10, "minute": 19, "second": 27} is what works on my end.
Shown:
{"hour": 12, "minute": 41, "second": 33}
